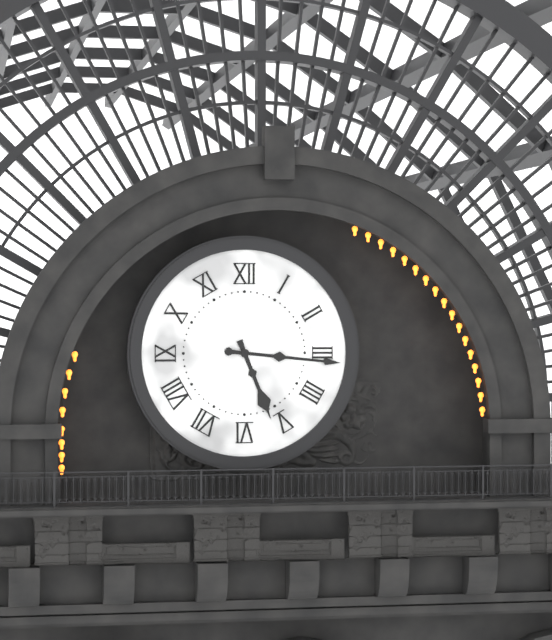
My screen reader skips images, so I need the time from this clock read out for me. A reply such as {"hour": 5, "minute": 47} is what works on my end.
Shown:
{"hour": 5, "minute": 16}
